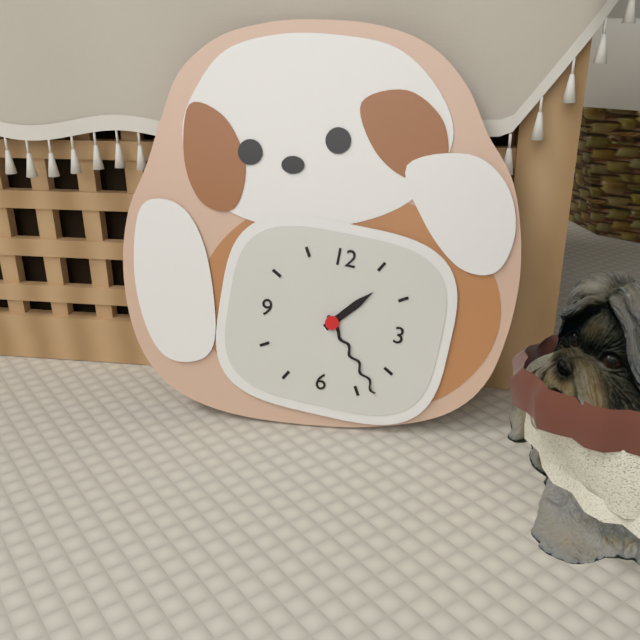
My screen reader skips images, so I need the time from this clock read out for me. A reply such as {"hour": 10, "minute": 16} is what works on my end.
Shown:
{"hour": 1, "minute": 23}
